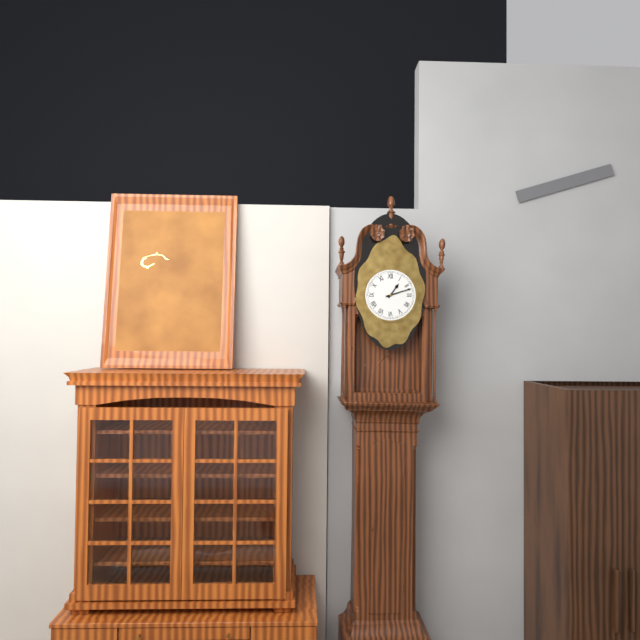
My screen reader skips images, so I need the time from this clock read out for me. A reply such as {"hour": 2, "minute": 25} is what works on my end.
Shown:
{"hour": 1, "minute": 12}
